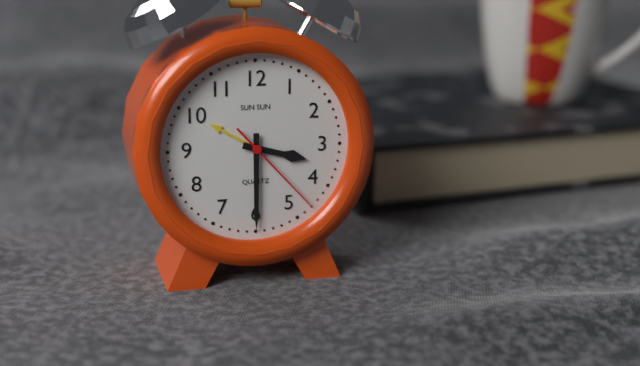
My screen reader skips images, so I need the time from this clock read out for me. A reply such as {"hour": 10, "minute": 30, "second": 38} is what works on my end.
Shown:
{"hour": 3, "minute": 30, "second": 23}
